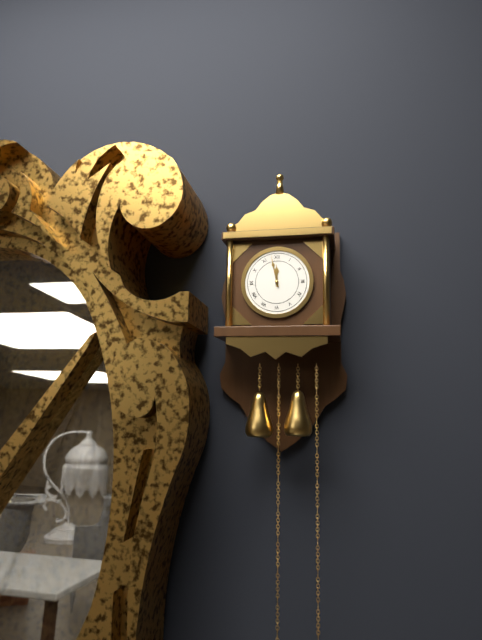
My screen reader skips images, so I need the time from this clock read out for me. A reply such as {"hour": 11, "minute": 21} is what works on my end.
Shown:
{"hour": 11, "minute": 58}
